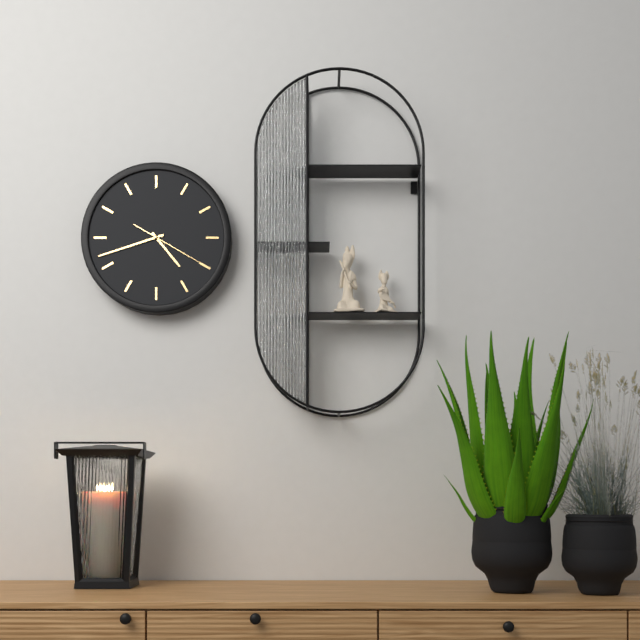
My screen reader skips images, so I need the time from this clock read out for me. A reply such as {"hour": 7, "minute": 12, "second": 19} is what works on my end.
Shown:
{"hour": 4, "minute": 42, "second": 20}
